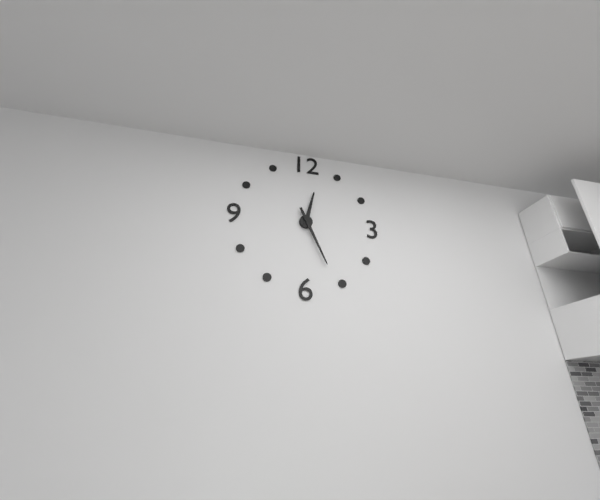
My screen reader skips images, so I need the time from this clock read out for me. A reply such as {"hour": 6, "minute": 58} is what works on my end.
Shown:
{"hour": 12, "minute": 26}
